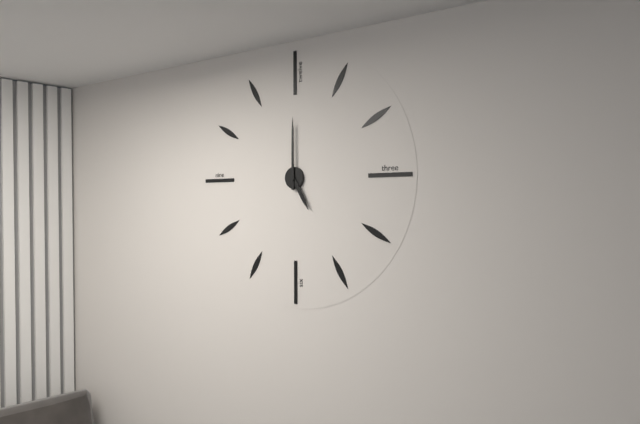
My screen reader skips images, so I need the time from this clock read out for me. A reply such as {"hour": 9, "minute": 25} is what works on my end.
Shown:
{"hour": 5, "minute": 0}
